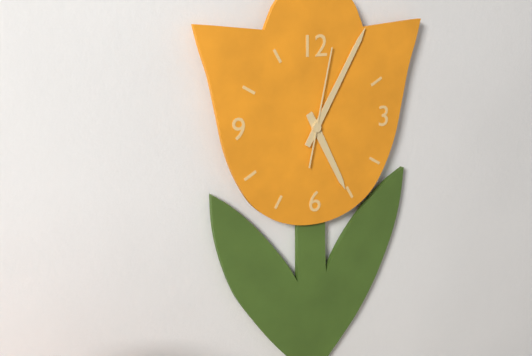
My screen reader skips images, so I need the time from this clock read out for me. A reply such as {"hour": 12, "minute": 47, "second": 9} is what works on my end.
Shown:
{"hour": 5, "minute": 5, "second": 2}
